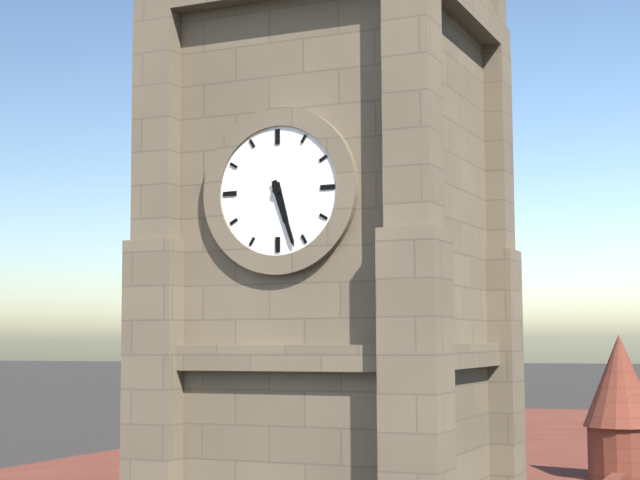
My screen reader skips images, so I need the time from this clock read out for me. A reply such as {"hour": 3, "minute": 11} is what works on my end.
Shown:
{"hour": 5, "minute": 27}
